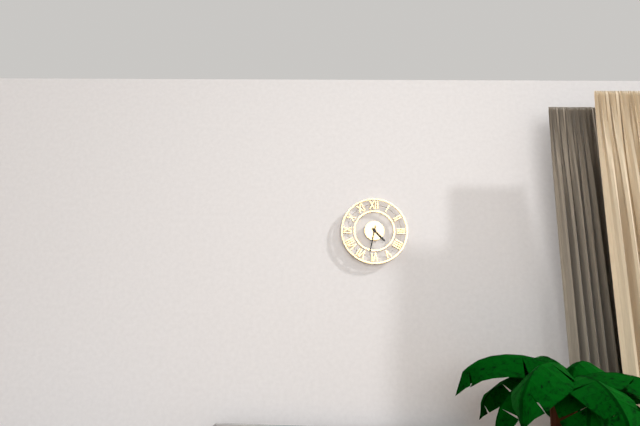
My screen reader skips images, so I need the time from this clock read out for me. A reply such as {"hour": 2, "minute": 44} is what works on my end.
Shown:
{"hour": 4, "minute": 32}
